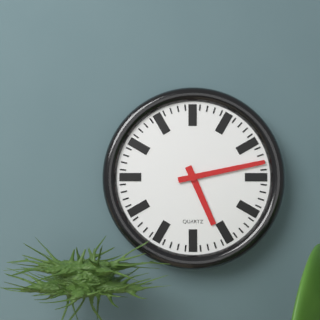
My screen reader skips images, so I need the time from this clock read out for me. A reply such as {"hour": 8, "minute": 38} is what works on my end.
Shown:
{"hour": 5, "minute": 13}
